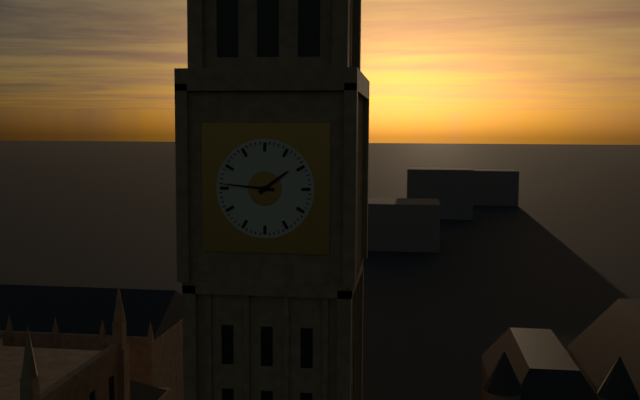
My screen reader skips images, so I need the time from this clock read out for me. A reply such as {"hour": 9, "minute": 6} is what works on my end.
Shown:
{"hour": 1, "minute": 46}
